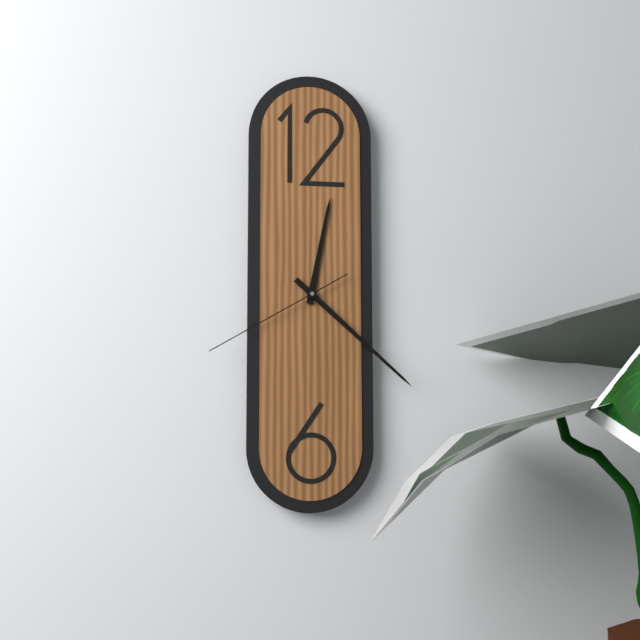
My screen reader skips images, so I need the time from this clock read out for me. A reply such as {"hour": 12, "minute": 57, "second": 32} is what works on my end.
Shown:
{"hour": 12, "minute": 22, "second": 40}
